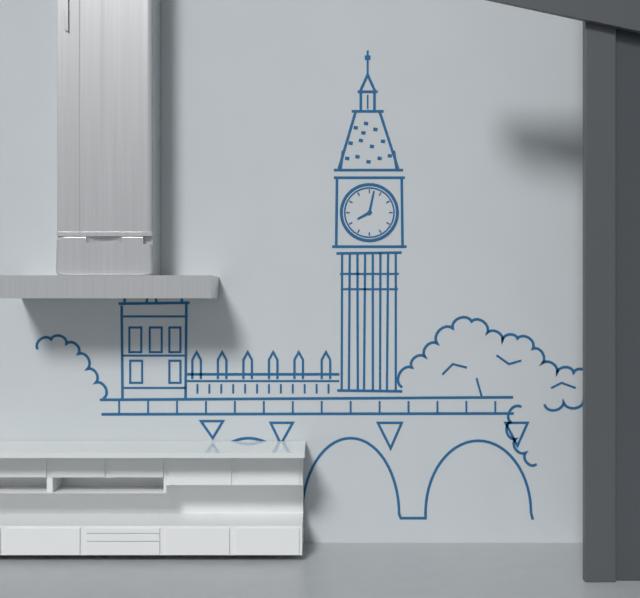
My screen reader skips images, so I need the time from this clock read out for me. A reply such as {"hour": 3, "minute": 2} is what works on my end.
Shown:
{"hour": 8, "minute": 2}
